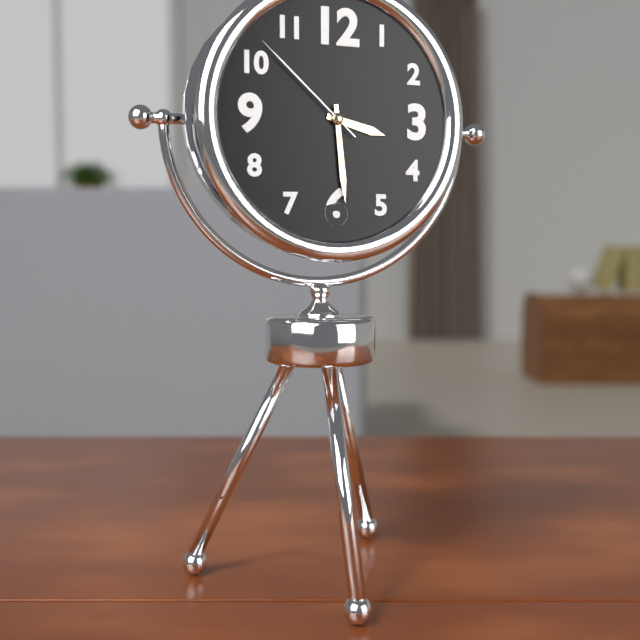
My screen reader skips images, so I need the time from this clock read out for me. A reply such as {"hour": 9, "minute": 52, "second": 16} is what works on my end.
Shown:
{"hour": 3, "minute": 29, "second": 52}
